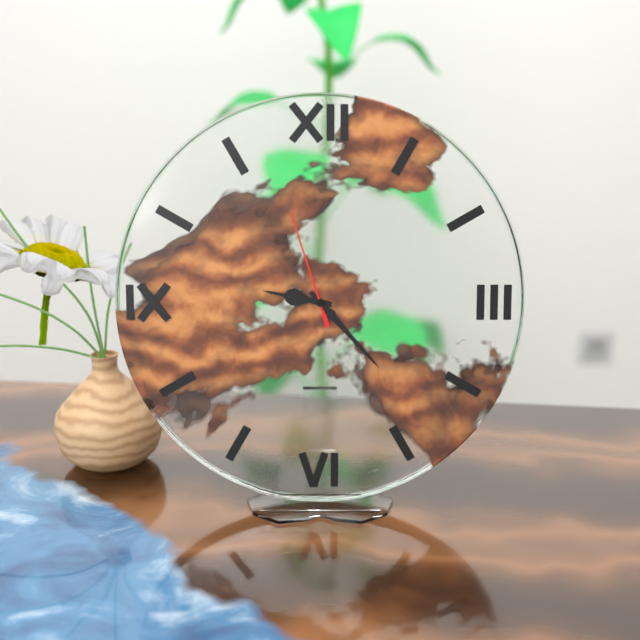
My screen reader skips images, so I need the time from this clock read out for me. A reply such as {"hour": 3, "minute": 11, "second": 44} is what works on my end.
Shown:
{"hour": 9, "minute": 23, "second": 57}
